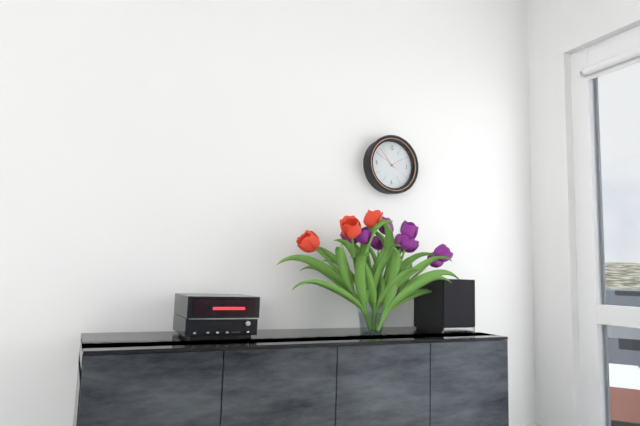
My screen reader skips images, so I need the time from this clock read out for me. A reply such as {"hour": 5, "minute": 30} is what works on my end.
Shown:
{"hour": 1, "minute": 53}
